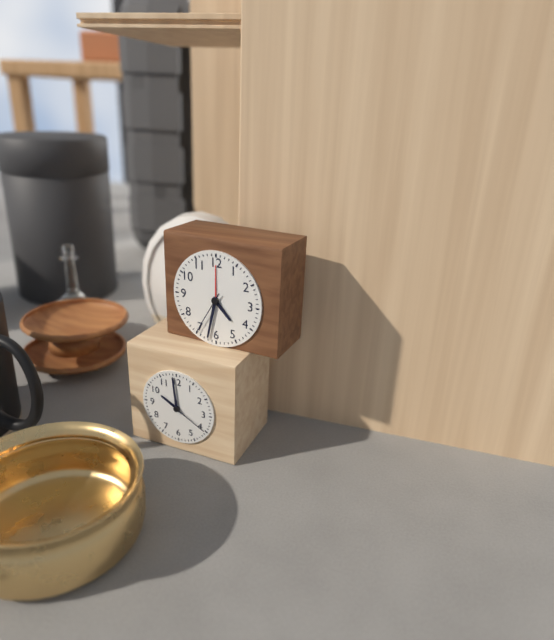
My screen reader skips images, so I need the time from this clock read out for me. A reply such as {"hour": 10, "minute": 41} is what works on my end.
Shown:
{"hour": 4, "minute": 32}
